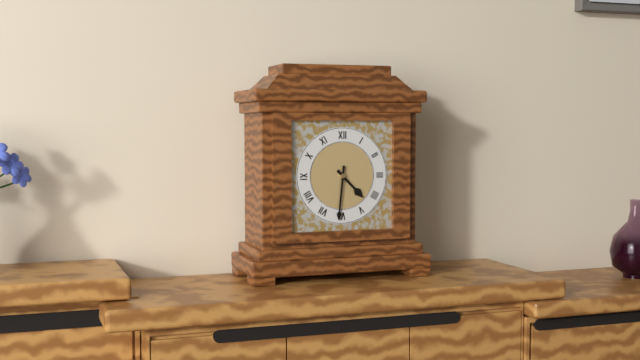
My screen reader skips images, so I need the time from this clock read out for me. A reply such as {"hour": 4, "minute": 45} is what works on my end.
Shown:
{"hour": 4, "minute": 31}
